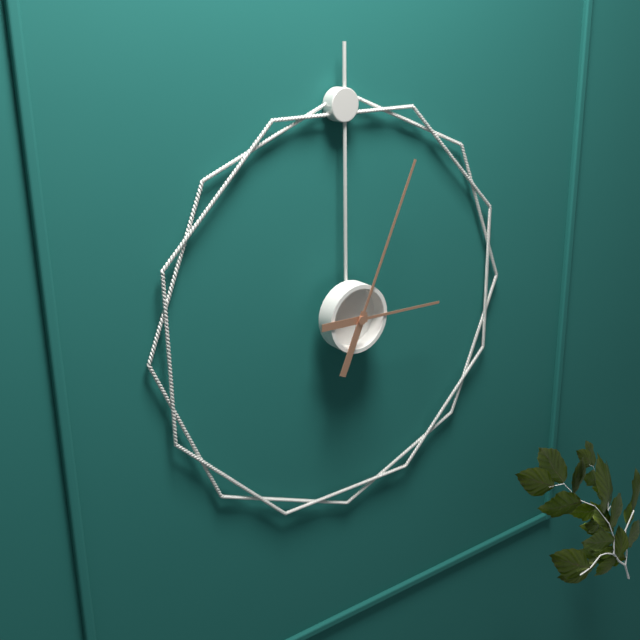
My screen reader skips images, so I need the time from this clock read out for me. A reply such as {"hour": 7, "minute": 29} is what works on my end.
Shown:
{"hour": 3, "minute": 4}
